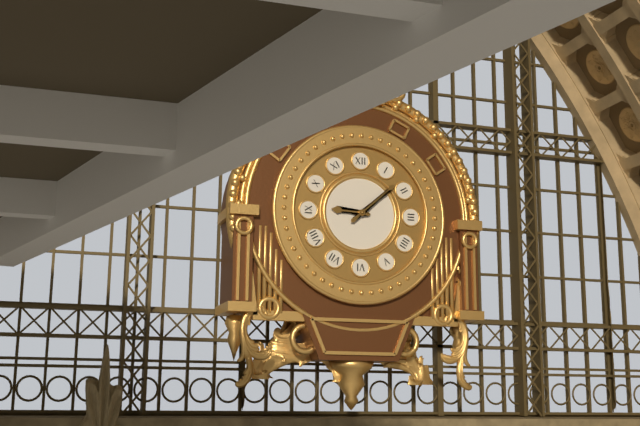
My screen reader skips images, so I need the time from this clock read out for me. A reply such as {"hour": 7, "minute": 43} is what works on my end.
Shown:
{"hour": 9, "minute": 8}
